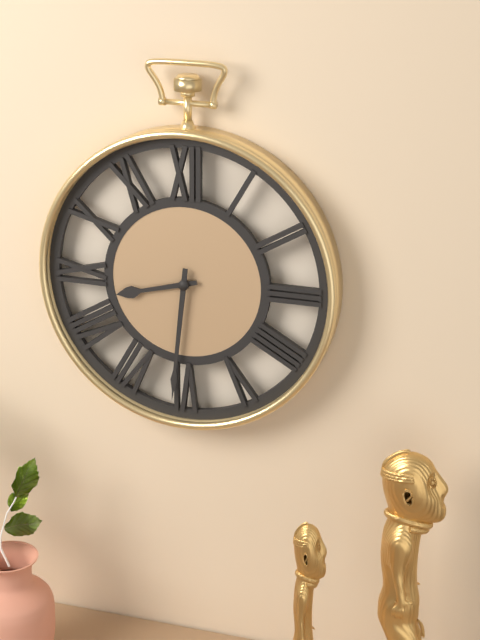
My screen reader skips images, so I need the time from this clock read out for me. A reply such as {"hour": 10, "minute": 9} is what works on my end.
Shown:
{"hour": 8, "minute": 31}
